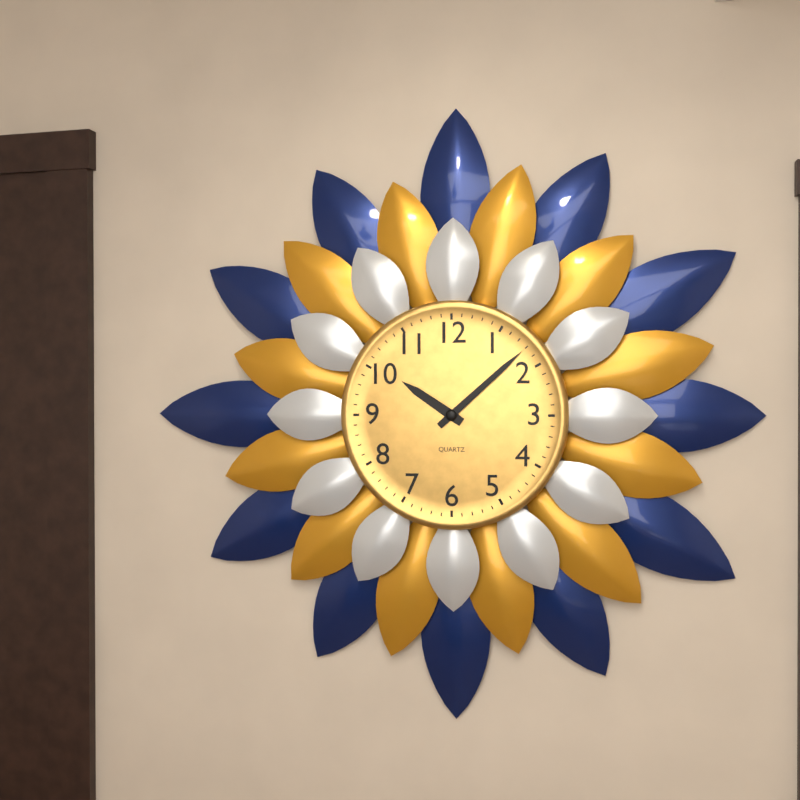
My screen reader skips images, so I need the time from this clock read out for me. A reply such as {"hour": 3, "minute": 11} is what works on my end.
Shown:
{"hour": 10, "minute": 8}
